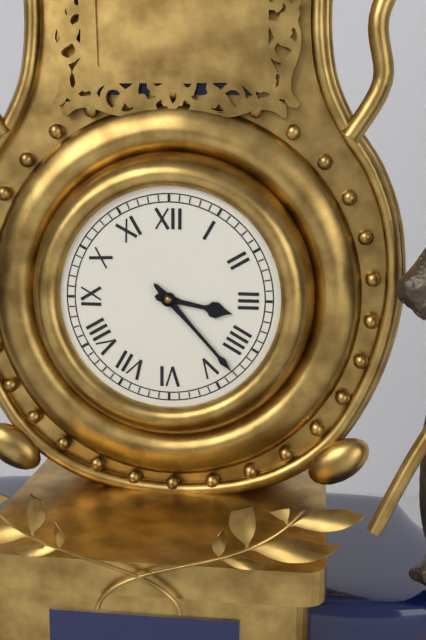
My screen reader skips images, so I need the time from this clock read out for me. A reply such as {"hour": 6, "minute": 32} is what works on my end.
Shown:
{"hour": 3, "minute": 23}
